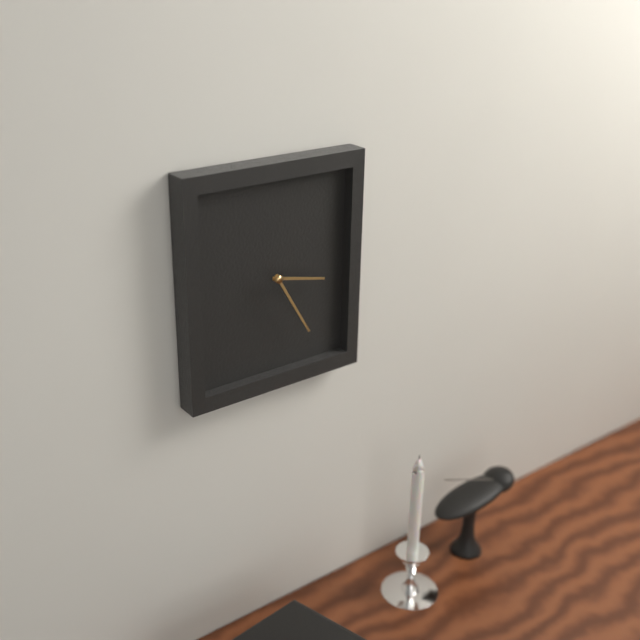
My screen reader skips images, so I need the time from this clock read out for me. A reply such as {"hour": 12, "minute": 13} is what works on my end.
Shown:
{"hour": 3, "minute": 25}
